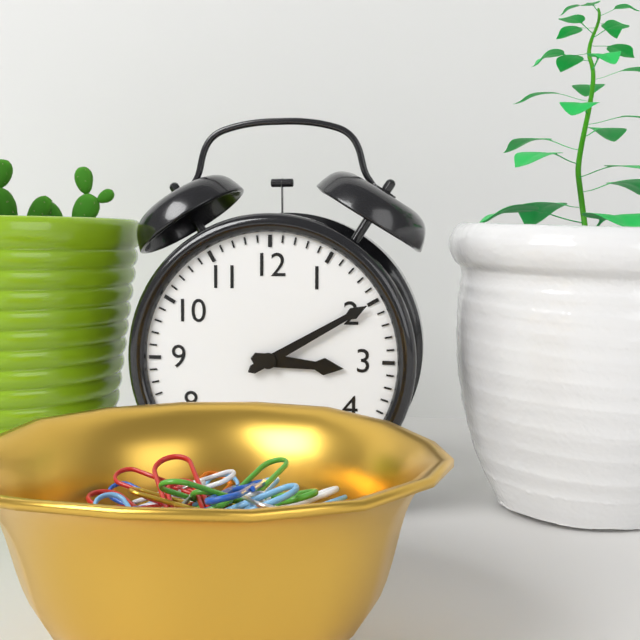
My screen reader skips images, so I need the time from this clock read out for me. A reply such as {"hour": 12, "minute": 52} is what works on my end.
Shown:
{"hour": 3, "minute": 10}
